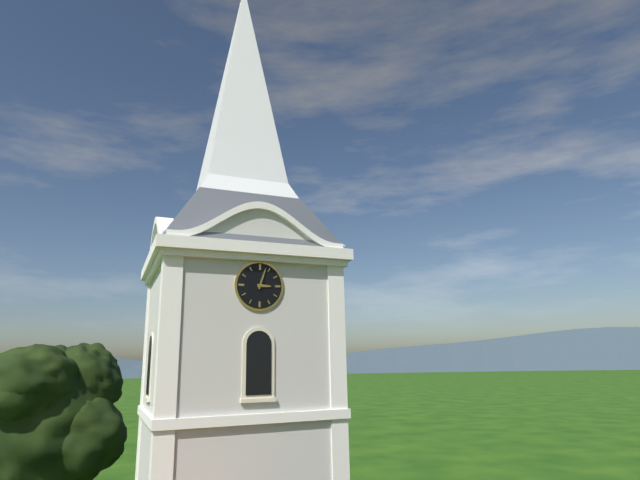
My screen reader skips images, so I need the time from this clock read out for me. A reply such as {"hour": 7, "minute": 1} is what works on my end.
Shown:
{"hour": 3, "minute": 3}
